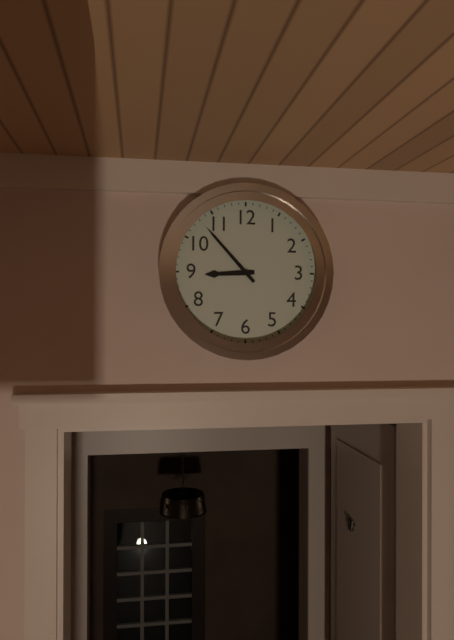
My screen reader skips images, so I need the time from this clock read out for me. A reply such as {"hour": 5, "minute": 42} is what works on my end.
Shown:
{"hour": 8, "minute": 53}
